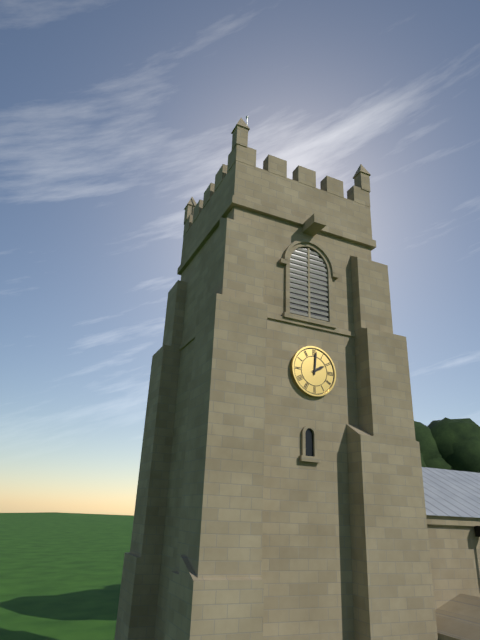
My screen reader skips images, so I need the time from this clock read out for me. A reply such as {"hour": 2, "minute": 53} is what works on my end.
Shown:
{"hour": 2, "minute": 1}
